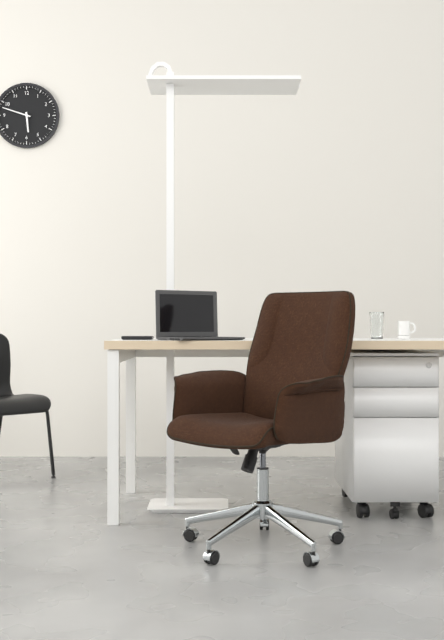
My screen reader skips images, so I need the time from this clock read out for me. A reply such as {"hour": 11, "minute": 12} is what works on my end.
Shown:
{"hour": 5, "minute": 48}
